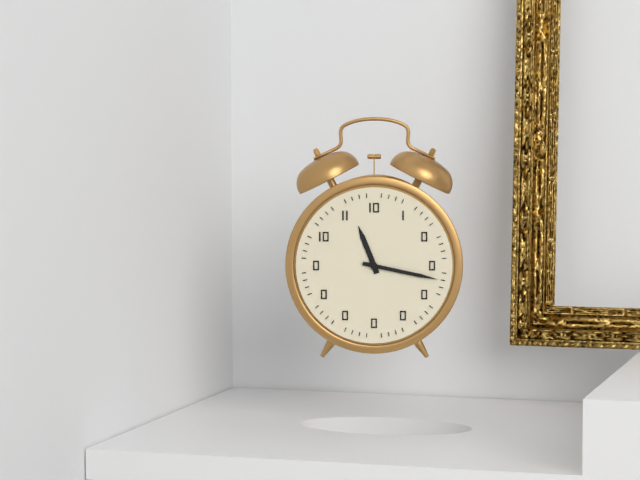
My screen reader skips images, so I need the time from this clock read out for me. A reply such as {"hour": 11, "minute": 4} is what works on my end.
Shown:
{"hour": 11, "minute": 17}
